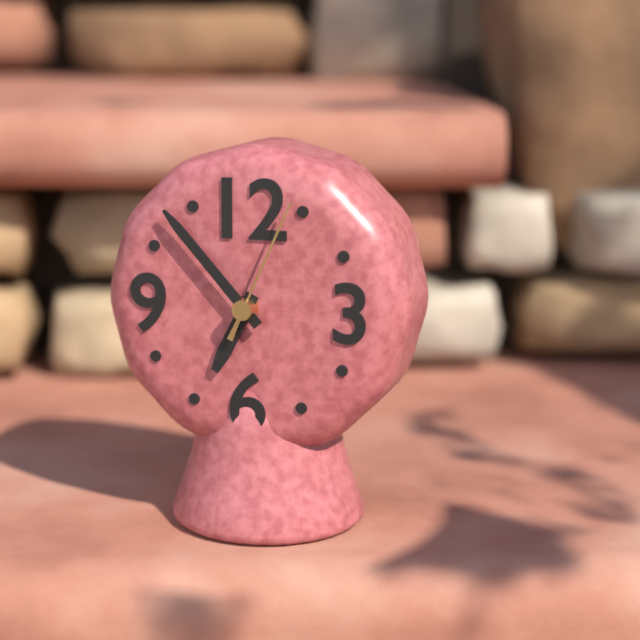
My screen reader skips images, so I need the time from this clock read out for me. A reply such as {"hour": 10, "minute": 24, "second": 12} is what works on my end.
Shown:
{"hour": 6, "minute": 53, "second": 4}
